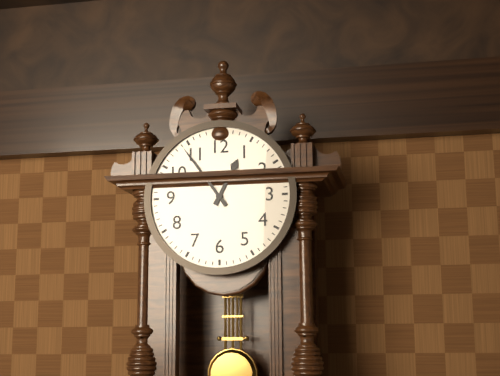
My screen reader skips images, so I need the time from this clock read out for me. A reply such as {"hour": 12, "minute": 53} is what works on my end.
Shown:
{"hour": 12, "minute": 54}
